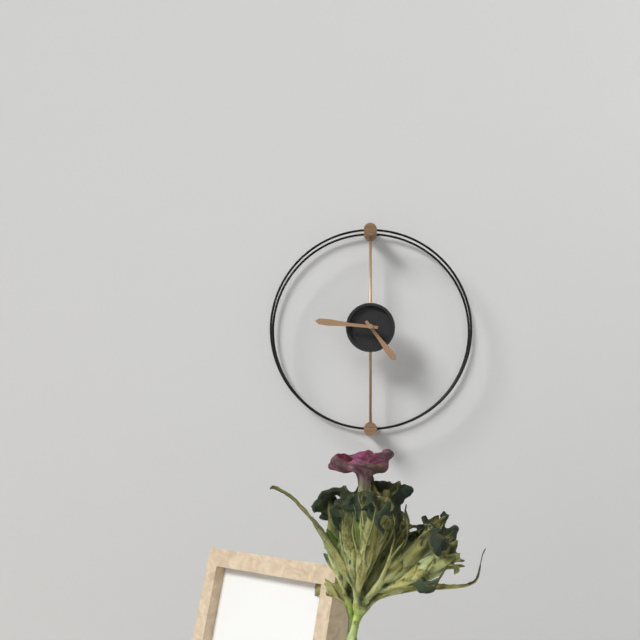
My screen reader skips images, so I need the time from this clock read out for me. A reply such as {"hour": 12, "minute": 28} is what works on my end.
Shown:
{"hour": 4, "minute": 46}
